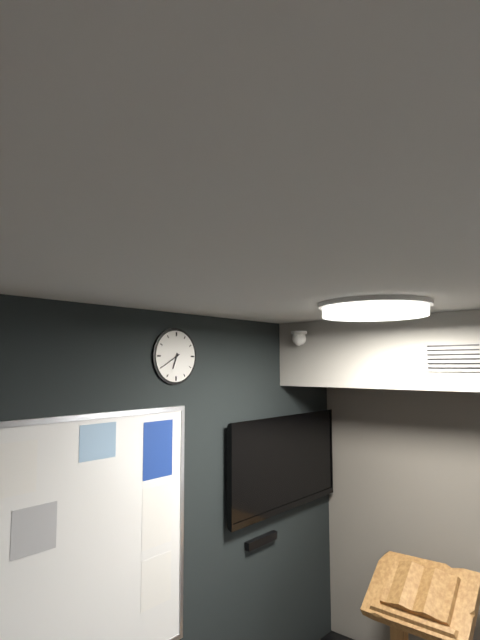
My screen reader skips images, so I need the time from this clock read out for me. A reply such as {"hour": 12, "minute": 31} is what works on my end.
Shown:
{"hour": 6, "minute": 40}
